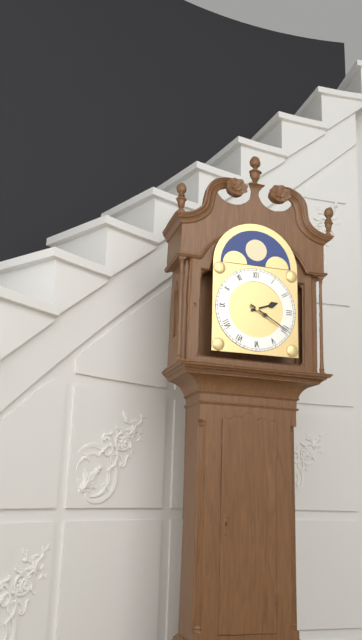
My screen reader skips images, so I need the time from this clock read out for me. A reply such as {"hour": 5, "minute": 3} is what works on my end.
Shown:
{"hour": 2, "minute": 20}
